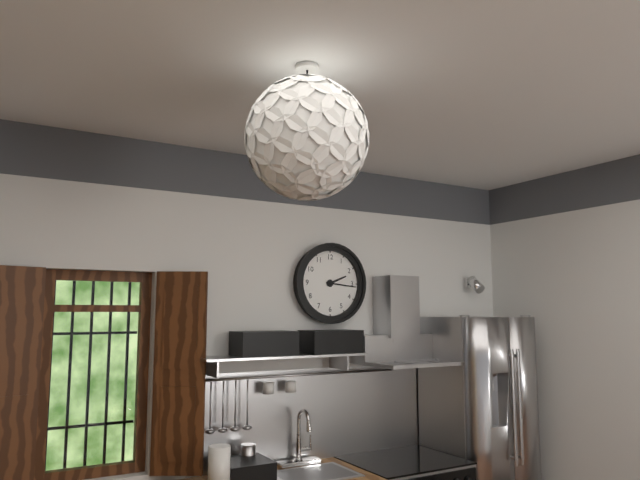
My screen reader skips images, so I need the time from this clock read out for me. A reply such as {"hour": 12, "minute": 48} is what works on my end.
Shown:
{"hour": 2, "minute": 16}
